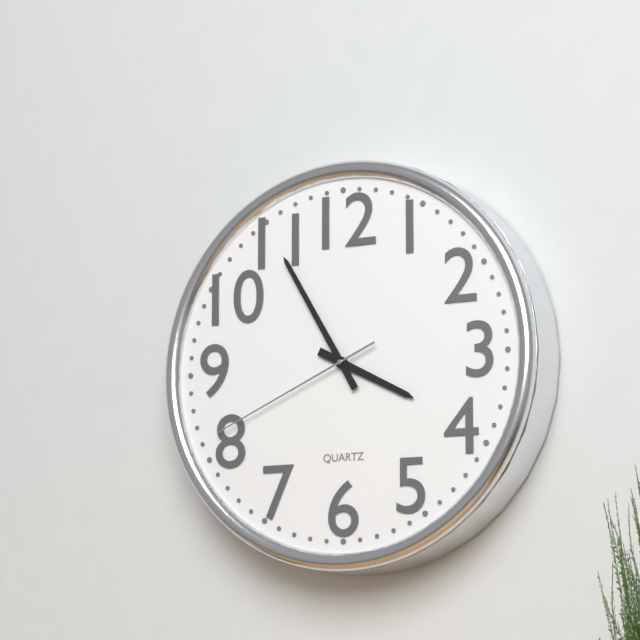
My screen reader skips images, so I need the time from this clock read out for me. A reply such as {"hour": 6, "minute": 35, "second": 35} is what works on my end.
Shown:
{"hour": 3, "minute": 55, "second": 41}
